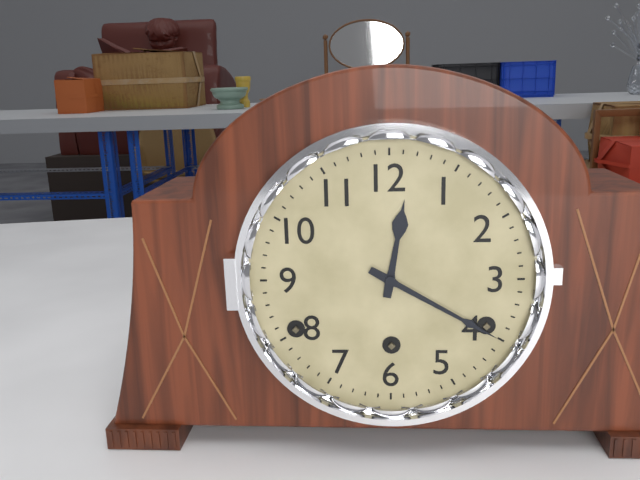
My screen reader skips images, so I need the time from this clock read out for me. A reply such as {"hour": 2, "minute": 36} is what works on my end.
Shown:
{"hour": 12, "minute": 20}
